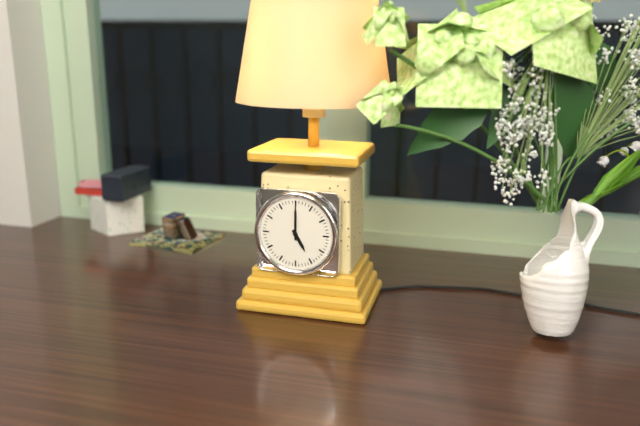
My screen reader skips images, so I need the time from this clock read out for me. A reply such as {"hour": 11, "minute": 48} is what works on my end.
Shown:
{"hour": 5, "minute": 0}
